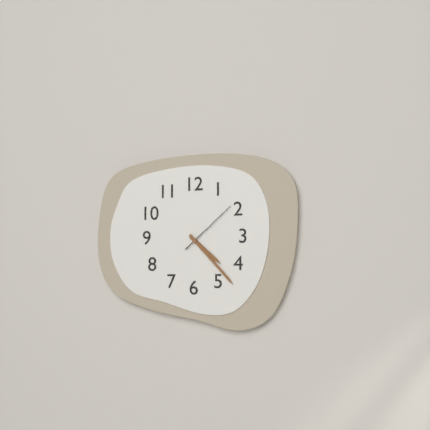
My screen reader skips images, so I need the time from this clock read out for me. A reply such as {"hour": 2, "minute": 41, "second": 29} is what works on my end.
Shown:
{"hour": 4, "minute": 23, "second": 8}
